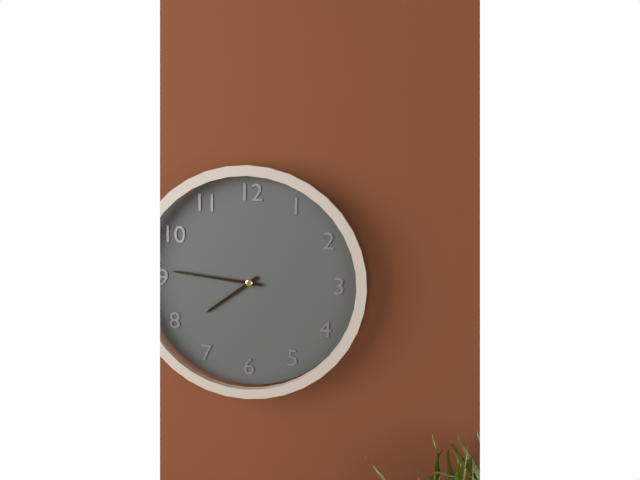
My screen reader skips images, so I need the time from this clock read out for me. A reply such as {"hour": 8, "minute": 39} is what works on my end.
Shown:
{"hour": 7, "minute": 46}
